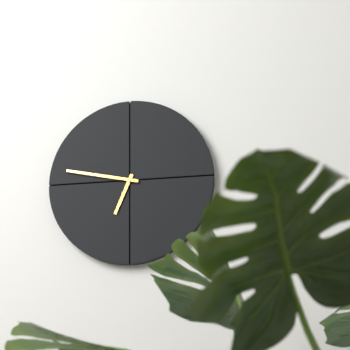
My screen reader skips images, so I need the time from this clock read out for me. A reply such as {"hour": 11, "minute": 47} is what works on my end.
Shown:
{"hour": 6, "minute": 47}
